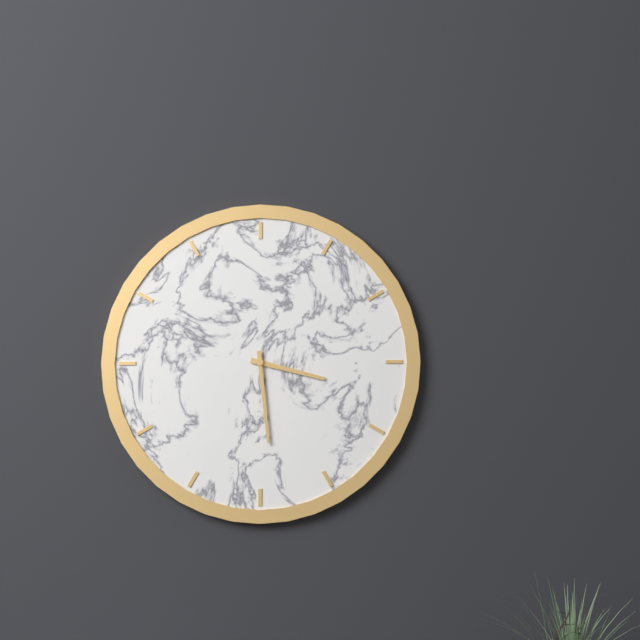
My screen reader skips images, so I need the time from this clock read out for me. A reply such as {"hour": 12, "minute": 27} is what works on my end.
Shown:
{"hour": 3, "minute": 29}
